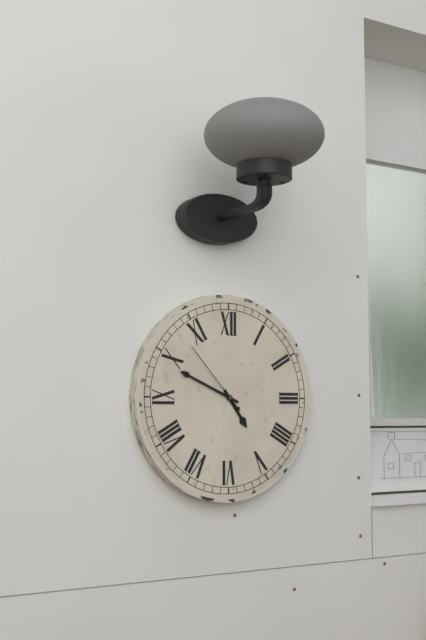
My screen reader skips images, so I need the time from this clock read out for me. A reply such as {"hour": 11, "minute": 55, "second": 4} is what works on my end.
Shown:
{"hour": 4, "minute": 49, "second": 53}
